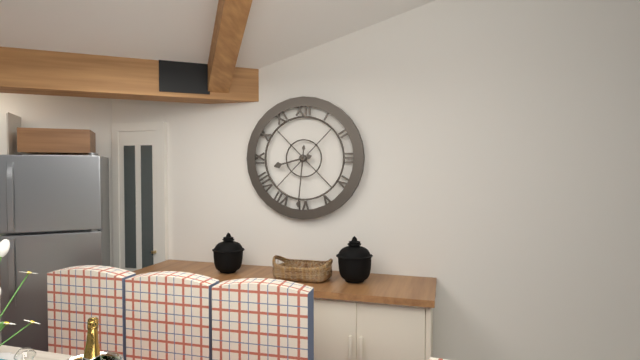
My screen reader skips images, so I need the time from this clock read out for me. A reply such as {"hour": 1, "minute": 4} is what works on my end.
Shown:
{"hour": 8, "minute": 31}
